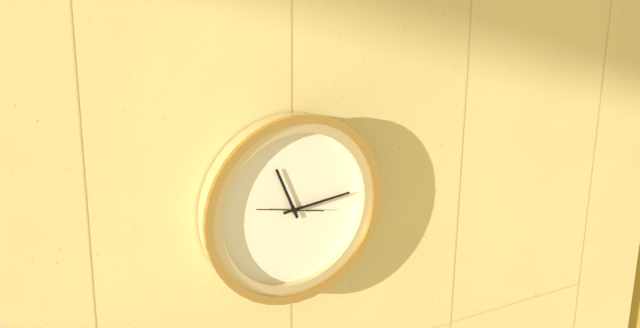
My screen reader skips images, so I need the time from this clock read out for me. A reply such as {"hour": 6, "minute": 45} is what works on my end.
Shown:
{"hour": 11, "minute": 14}
